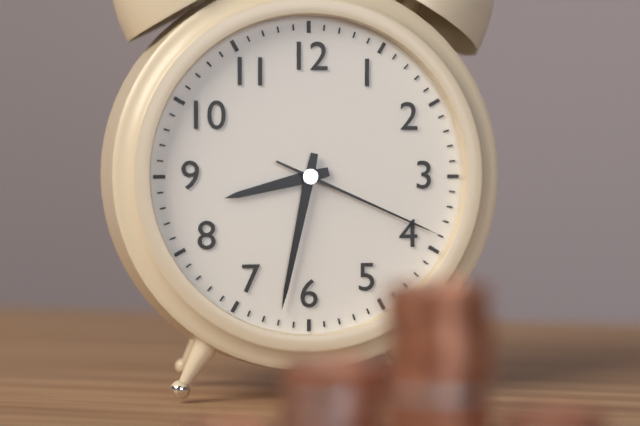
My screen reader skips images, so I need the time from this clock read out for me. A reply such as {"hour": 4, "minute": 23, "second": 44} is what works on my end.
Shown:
{"hour": 8, "minute": 32, "second": 19}
